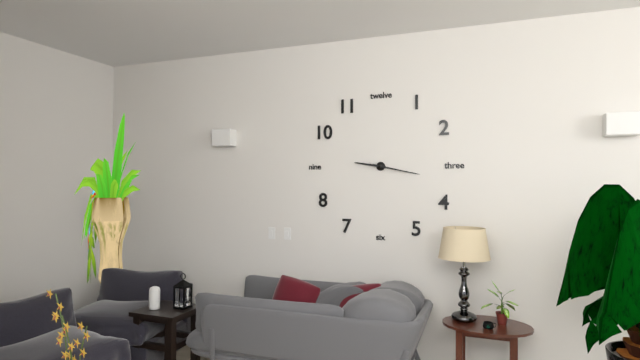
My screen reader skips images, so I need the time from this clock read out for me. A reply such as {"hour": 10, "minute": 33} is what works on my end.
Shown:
{"hour": 9, "minute": 17}
